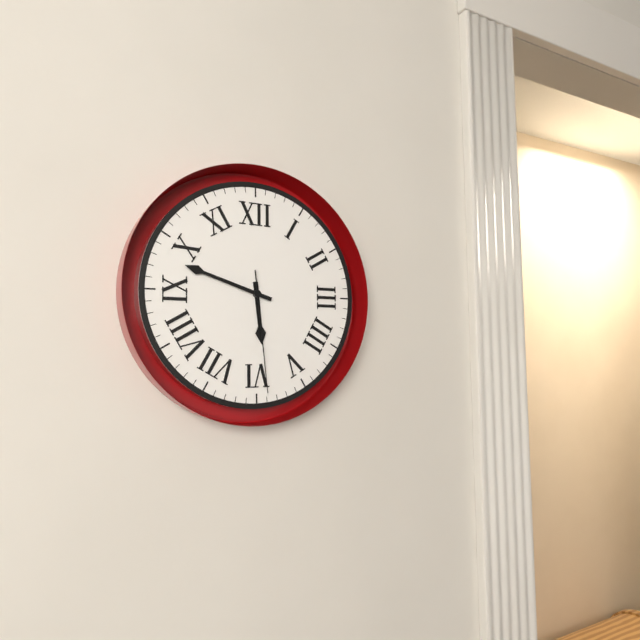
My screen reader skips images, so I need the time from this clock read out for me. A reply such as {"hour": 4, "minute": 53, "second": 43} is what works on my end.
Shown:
{"hour": 5, "minute": 48, "second": 29}
